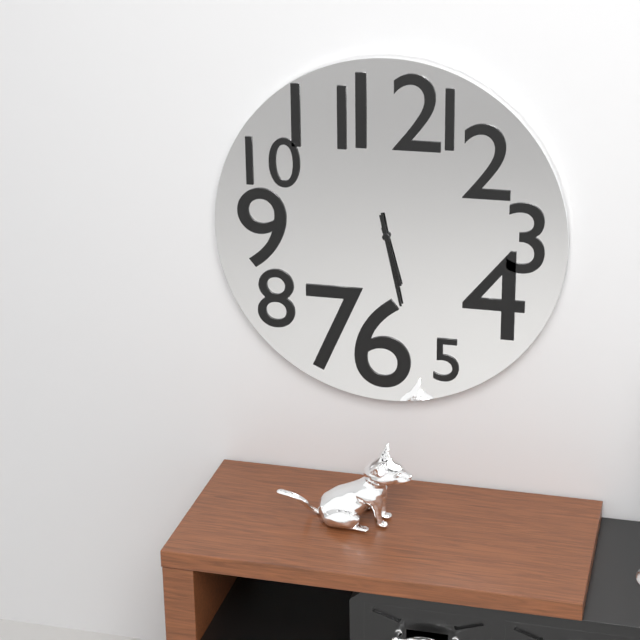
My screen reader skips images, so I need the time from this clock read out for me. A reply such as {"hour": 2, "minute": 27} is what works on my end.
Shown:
{"hour": 5, "minute": 28}
